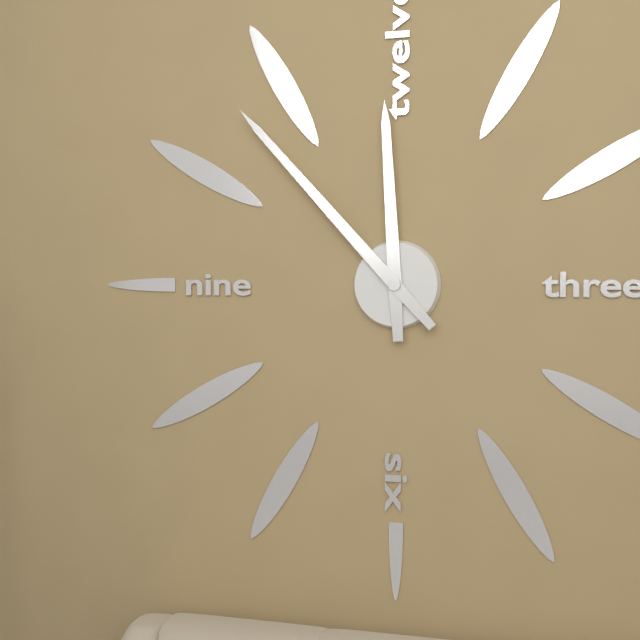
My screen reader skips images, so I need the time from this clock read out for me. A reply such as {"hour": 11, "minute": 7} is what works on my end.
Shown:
{"hour": 11, "minute": 53}
